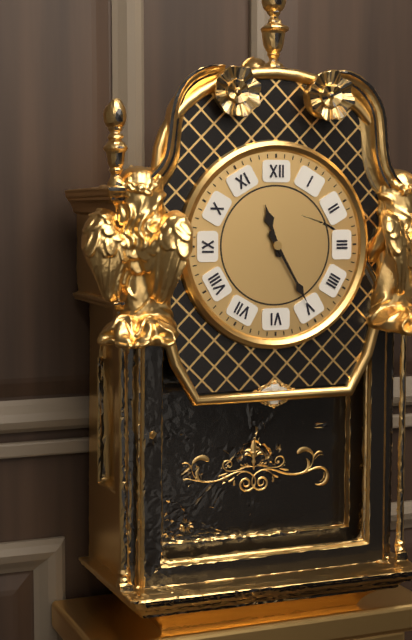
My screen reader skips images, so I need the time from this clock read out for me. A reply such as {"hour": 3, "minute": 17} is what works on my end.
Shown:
{"hour": 11, "minute": 25}
